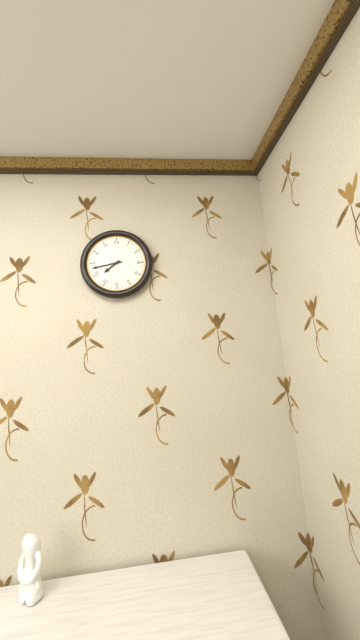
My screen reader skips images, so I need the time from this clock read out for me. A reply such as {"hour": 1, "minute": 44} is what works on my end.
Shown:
{"hour": 7, "minute": 43}
